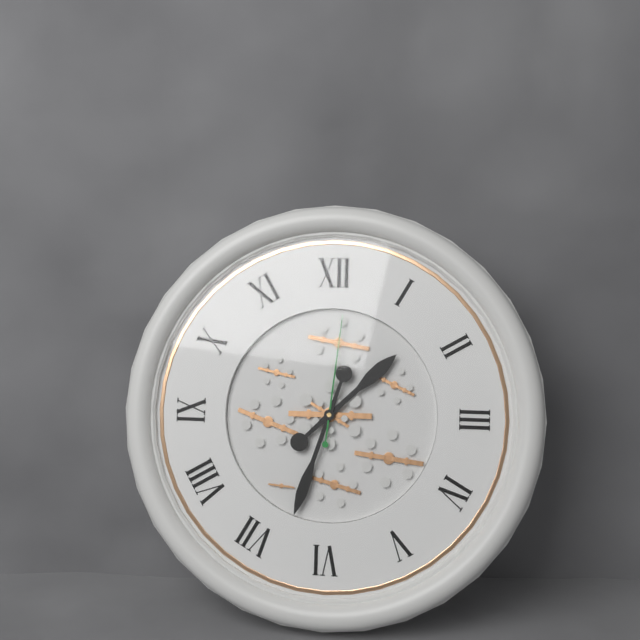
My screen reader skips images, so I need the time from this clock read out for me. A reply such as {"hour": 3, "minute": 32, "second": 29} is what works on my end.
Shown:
{"hour": 1, "minute": 33, "second": 1}
